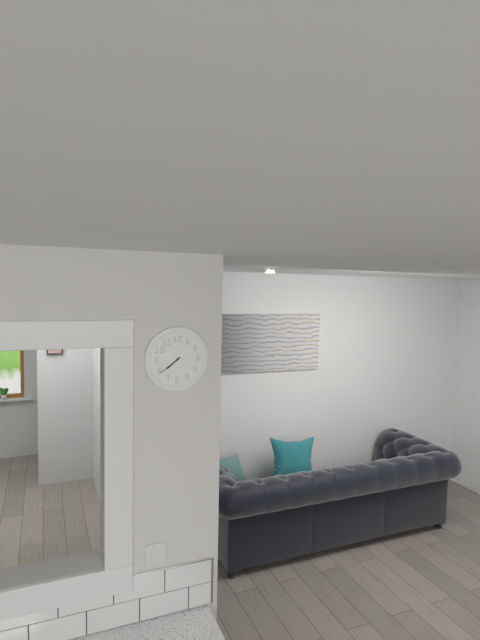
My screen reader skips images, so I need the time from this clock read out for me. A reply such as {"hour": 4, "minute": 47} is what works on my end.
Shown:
{"hour": 7, "minute": 39}
